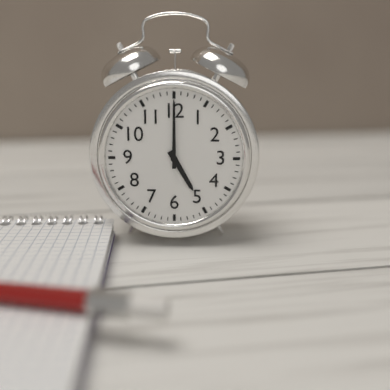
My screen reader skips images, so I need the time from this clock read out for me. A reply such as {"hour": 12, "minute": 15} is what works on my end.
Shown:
{"hour": 5, "minute": 0}
